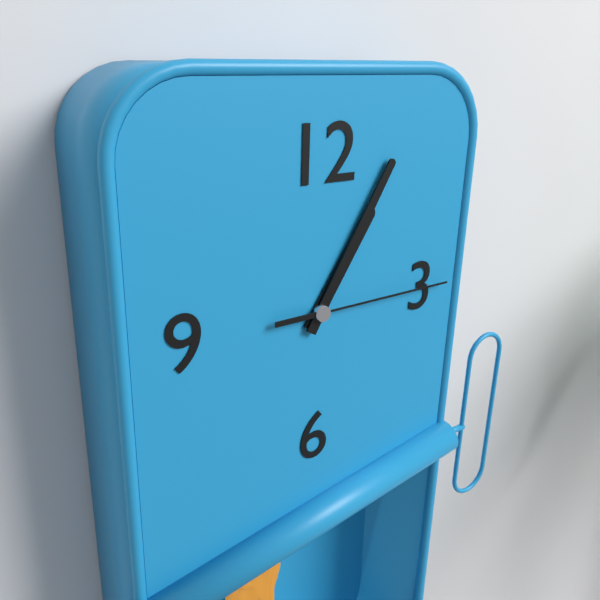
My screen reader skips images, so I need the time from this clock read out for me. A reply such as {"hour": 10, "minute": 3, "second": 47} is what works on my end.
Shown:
{"hour": 1, "minute": 5, "second": 15}
